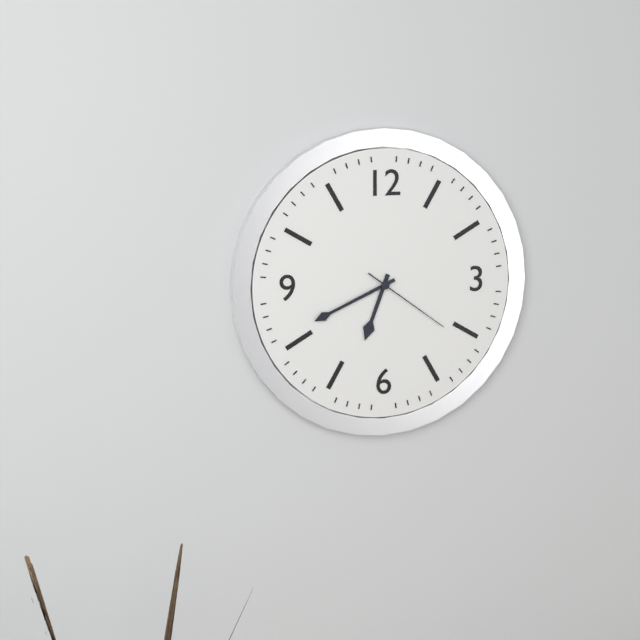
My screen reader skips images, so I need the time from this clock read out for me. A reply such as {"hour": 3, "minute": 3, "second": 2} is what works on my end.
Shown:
{"hour": 6, "minute": 41, "second": 21}
